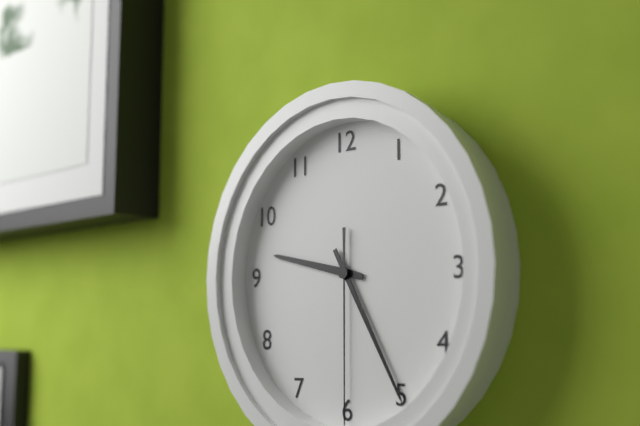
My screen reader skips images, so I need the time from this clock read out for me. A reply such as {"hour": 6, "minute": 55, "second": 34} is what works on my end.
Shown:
{"hour": 9, "minute": 25, "second": 30}
